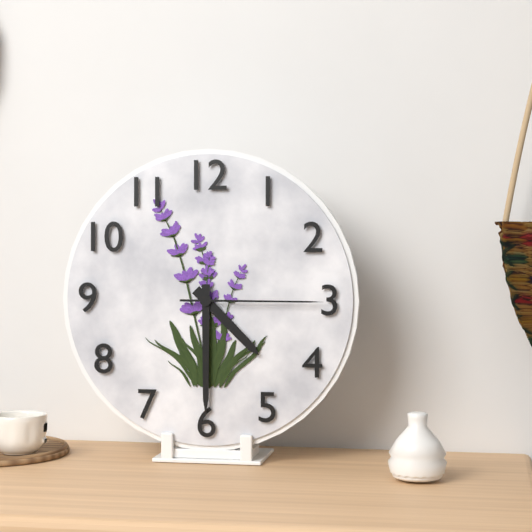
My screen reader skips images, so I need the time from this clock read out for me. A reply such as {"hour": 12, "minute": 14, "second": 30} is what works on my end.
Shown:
{"hour": 4, "minute": 30, "second": 15}
